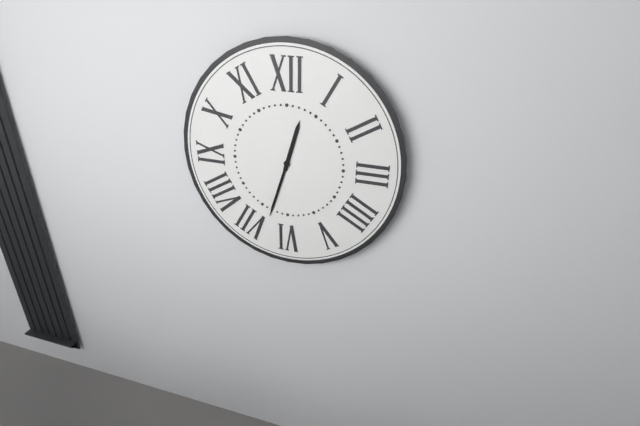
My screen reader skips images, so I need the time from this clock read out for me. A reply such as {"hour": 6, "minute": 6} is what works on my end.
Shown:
{"hour": 12, "minute": 33}
